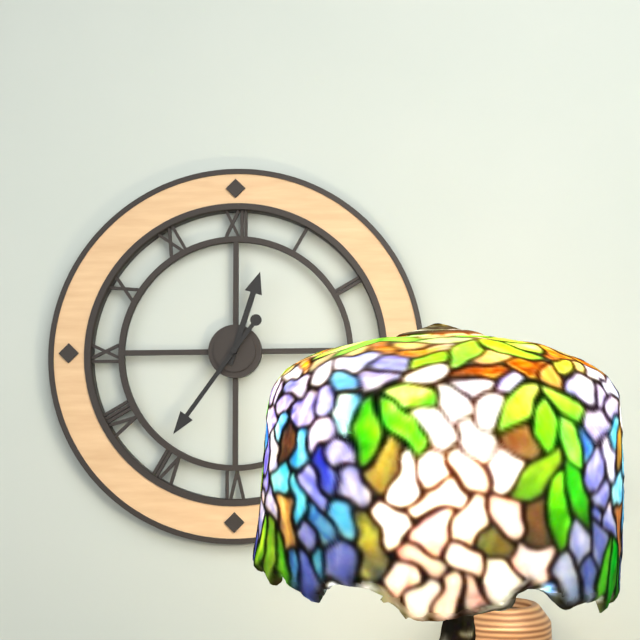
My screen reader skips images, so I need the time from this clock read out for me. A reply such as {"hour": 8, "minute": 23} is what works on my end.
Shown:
{"hour": 12, "minute": 36}
